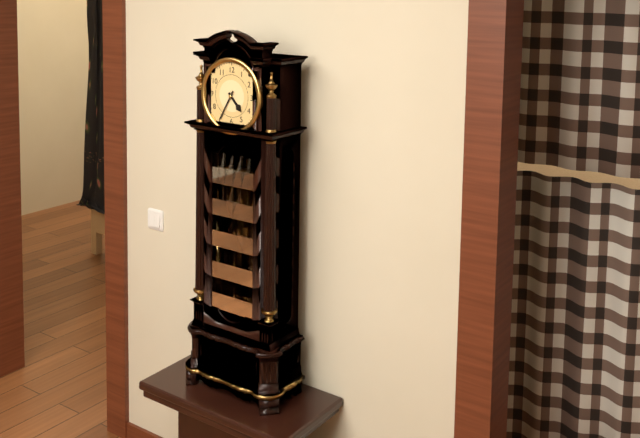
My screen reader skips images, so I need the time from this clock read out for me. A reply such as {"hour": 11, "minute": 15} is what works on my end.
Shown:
{"hour": 4, "minute": 35}
